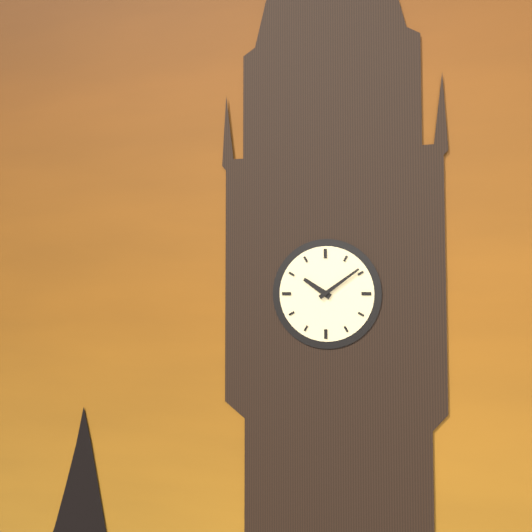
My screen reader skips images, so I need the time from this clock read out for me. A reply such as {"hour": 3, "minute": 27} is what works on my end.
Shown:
{"hour": 10, "minute": 9}
